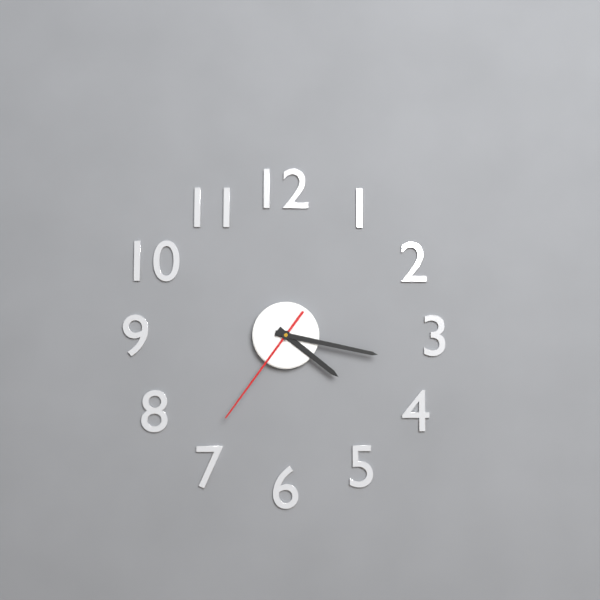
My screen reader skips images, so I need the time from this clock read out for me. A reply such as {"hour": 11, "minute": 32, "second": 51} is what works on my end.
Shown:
{"hour": 4, "minute": 17, "second": 36}
